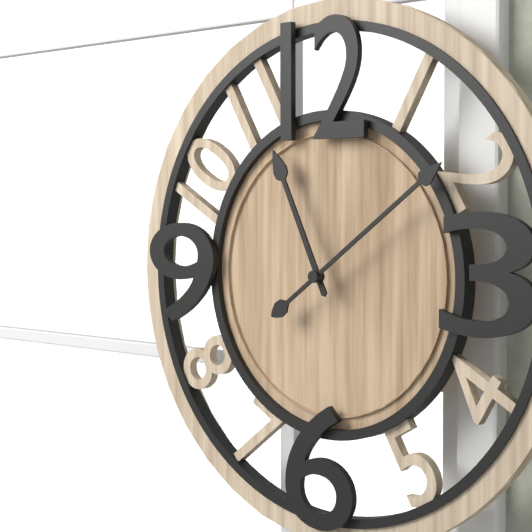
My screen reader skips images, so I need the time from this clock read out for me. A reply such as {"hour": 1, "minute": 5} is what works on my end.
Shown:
{"hour": 11, "minute": 9}
